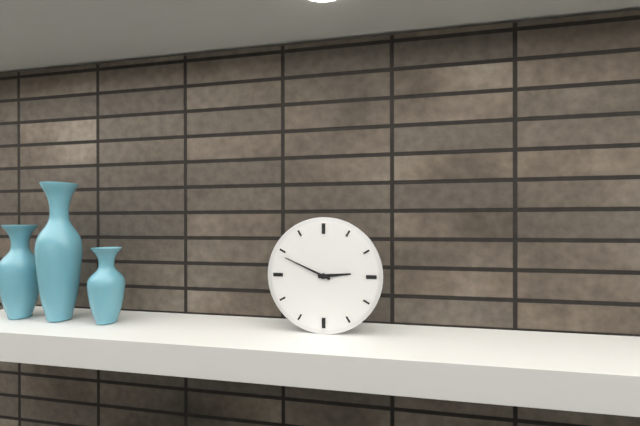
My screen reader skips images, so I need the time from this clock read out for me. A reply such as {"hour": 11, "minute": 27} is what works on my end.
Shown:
{"hour": 2, "minute": 49}
